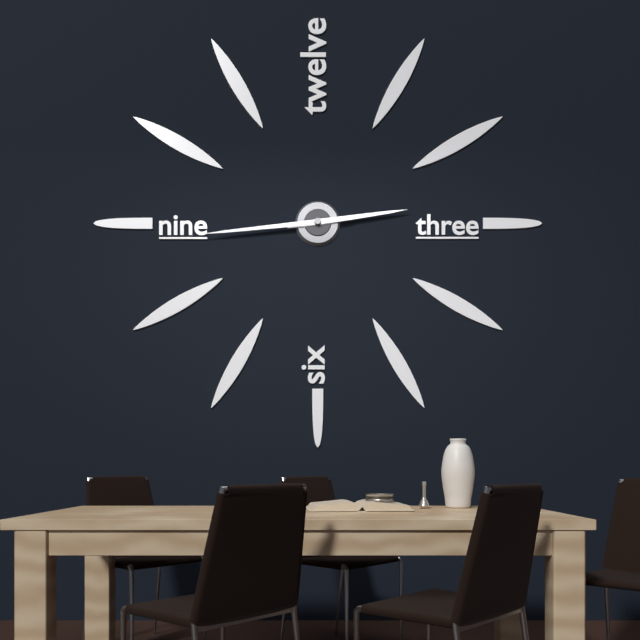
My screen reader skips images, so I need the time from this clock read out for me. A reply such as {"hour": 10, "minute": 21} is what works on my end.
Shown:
{"hour": 2, "minute": 44}
